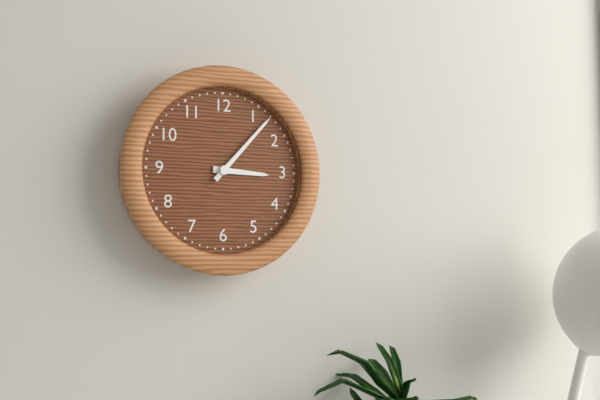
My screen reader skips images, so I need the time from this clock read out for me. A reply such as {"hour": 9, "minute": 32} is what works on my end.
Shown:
{"hour": 3, "minute": 7}
